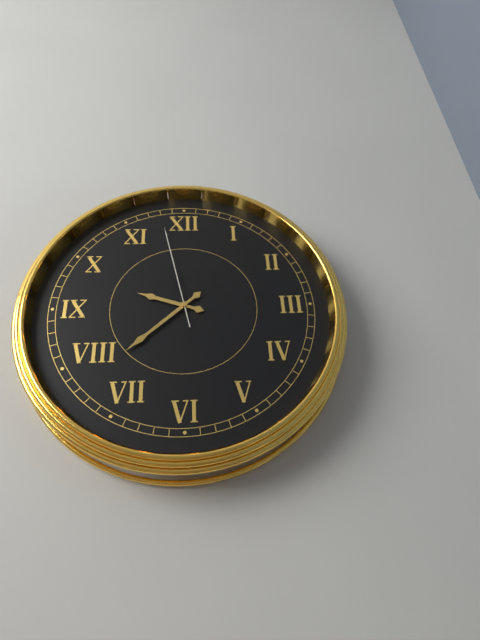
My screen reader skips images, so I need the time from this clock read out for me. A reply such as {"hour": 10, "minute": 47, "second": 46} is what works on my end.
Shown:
{"hour": 9, "minute": 38, "second": 58}
